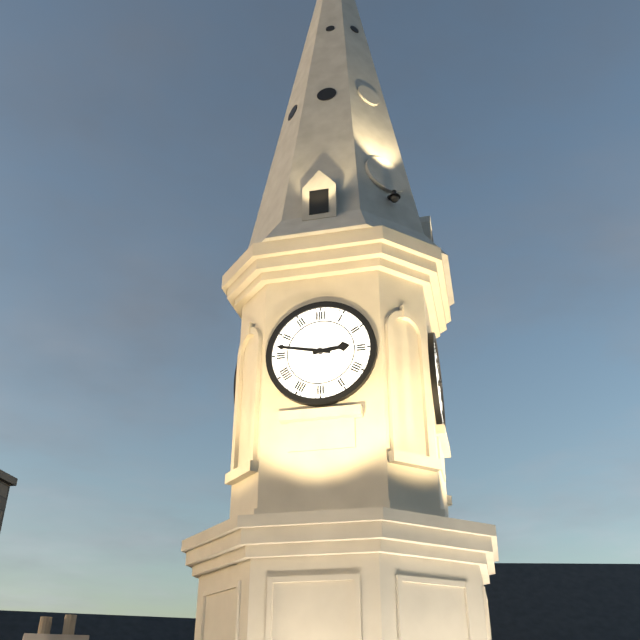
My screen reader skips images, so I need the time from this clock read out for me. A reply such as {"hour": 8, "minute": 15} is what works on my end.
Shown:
{"hour": 2, "minute": 47}
